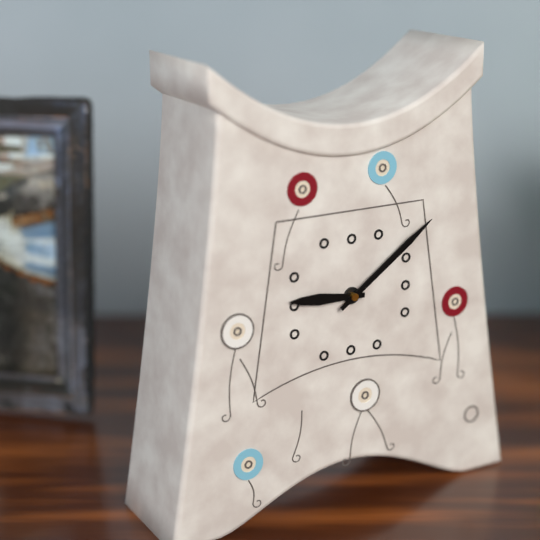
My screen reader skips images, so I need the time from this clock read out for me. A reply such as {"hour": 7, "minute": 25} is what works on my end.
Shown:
{"hour": 9, "minute": 9}
